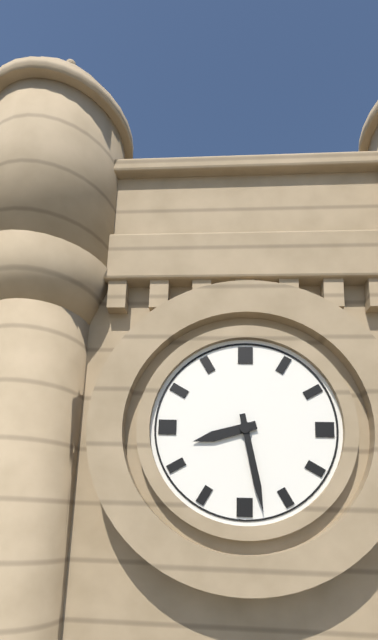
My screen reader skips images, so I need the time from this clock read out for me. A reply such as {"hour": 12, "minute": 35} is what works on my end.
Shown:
{"hour": 8, "minute": 28}
